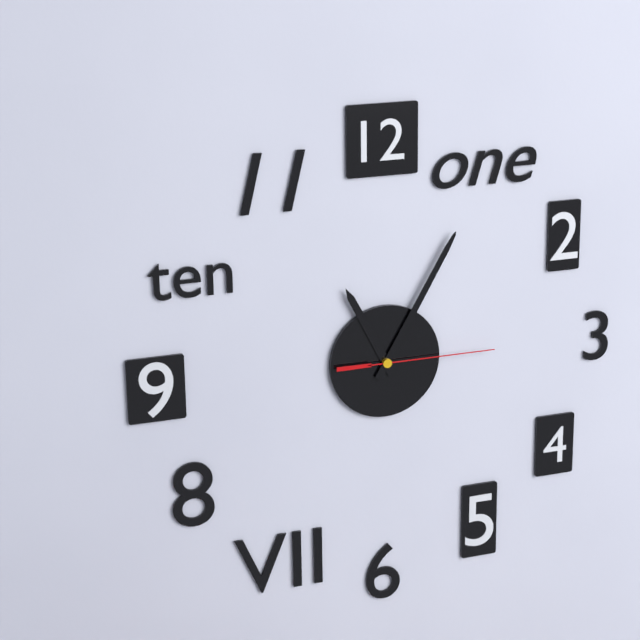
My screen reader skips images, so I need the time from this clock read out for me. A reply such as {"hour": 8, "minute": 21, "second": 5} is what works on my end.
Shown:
{"hour": 11, "minute": 5, "second": 15}
